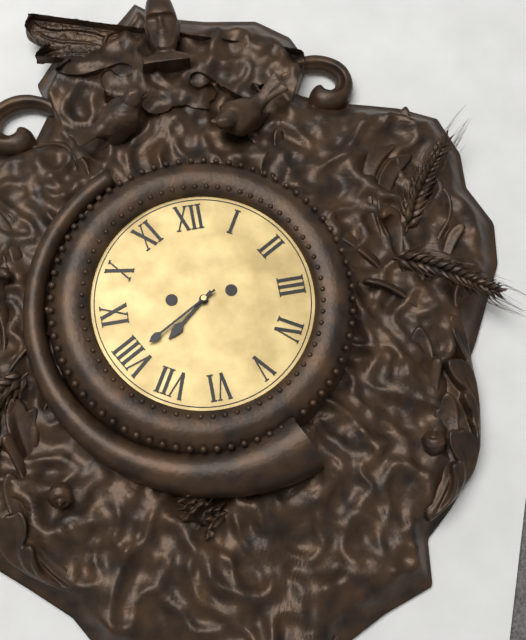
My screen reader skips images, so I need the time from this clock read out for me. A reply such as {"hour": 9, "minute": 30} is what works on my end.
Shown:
{"hour": 7, "minute": 40}
